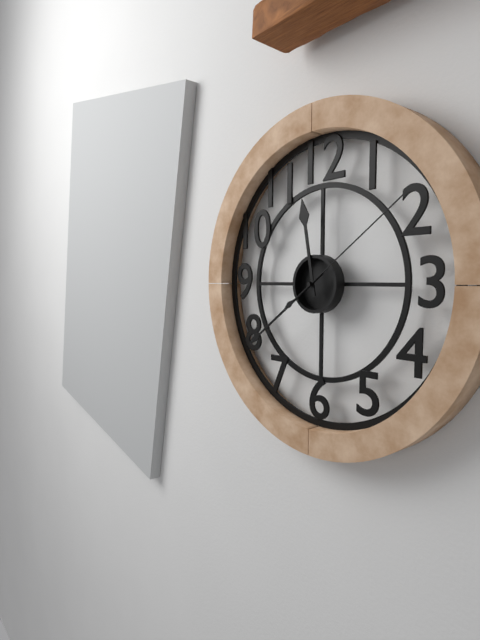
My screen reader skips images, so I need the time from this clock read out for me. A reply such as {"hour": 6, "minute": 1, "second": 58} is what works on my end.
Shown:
{"hour": 11, "minute": 39, "second": 9}
